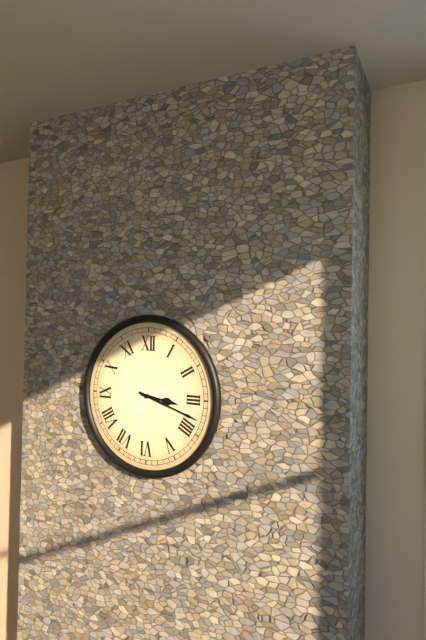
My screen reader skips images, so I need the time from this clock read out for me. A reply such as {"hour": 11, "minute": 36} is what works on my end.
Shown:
{"hour": 3, "minute": 18}
